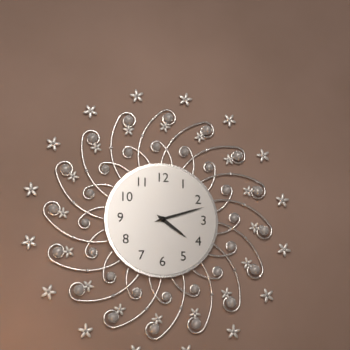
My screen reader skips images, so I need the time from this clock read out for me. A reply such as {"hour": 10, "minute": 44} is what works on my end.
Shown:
{"hour": 4, "minute": 12}
